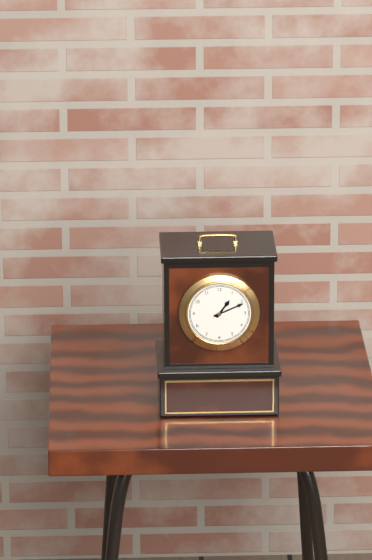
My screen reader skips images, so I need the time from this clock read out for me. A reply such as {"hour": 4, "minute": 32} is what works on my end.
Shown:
{"hour": 1, "minute": 11}
